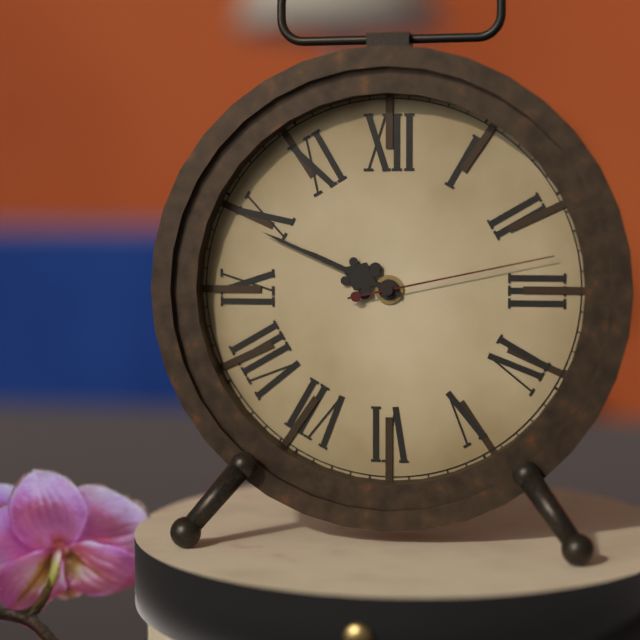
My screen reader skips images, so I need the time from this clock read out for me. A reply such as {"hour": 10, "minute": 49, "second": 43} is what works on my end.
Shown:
{"hour": 9, "minute": 49, "second": 13}
